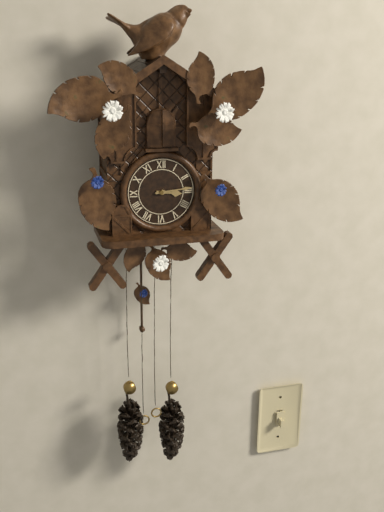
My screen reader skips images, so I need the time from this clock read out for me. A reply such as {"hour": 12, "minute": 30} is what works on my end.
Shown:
{"hour": 3, "minute": 14}
